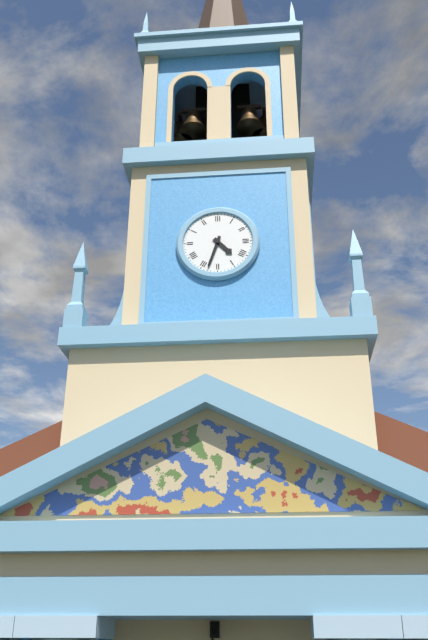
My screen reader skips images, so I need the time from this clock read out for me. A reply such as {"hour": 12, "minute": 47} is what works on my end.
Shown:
{"hour": 4, "minute": 33}
